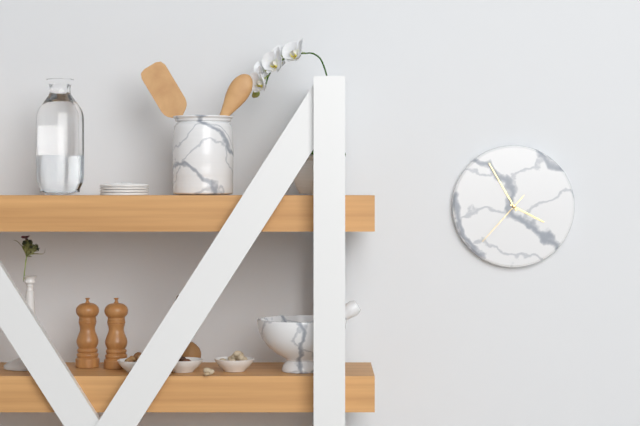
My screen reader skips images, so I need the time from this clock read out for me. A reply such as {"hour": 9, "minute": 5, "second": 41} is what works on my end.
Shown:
{"hour": 3, "minute": 55, "second": 37}
